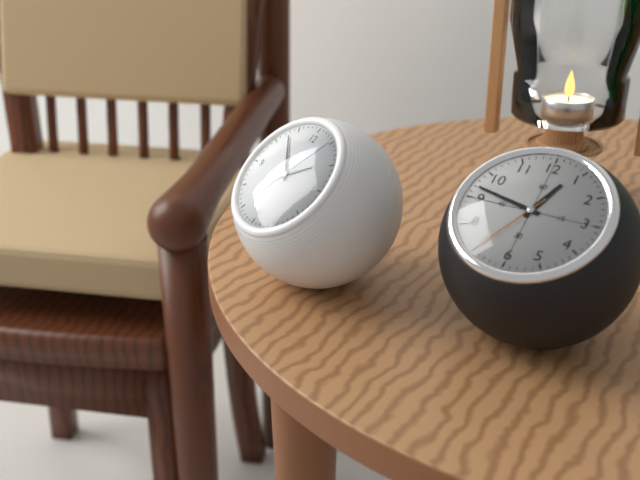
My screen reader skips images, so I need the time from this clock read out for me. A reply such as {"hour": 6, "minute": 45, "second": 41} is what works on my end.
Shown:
{"hour": 1, "minute": 53, "second": 5}
